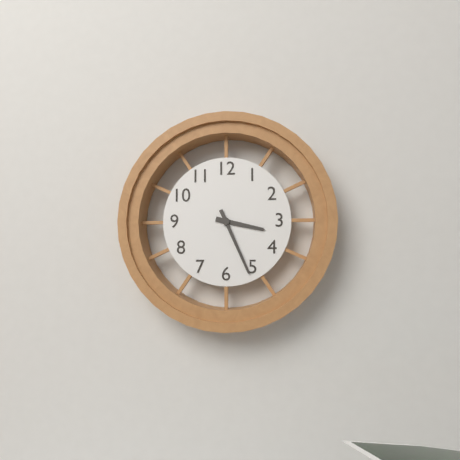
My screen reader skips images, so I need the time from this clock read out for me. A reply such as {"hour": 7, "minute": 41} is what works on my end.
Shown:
{"hour": 3, "minute": 26}
